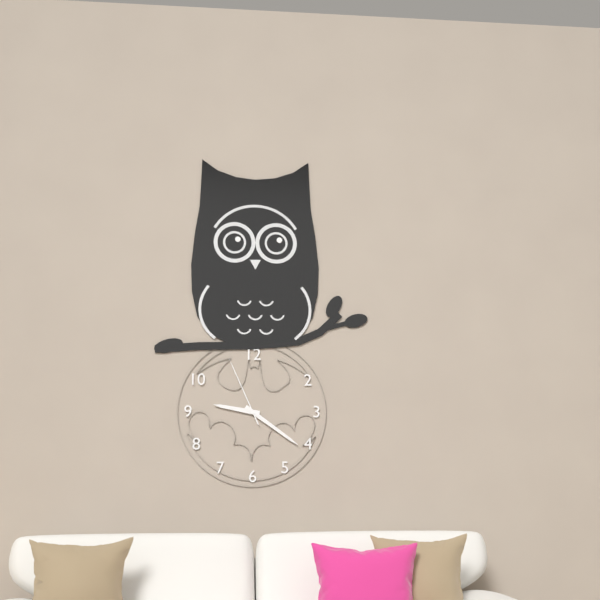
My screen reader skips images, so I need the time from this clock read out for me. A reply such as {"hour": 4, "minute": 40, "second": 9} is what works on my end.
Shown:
{"hour": 9, "minute": 21, "second": 56}
